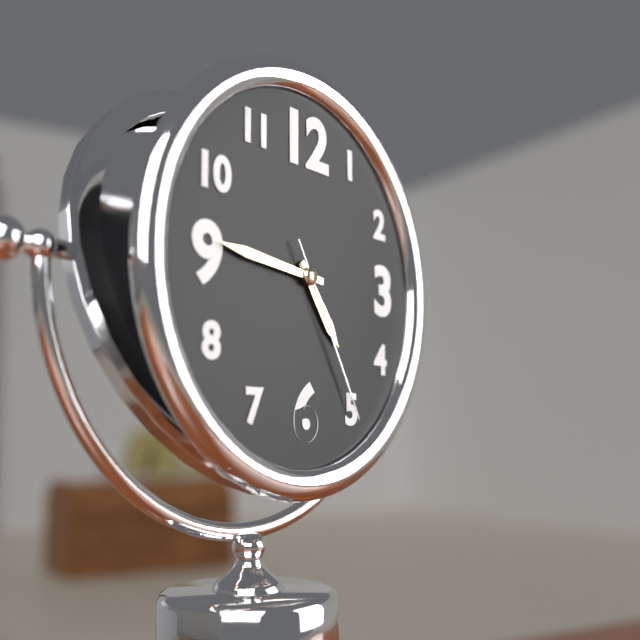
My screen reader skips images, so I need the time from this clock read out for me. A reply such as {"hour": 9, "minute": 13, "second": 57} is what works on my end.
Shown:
{"hour": 4, "minute": 46, "second": 25}
